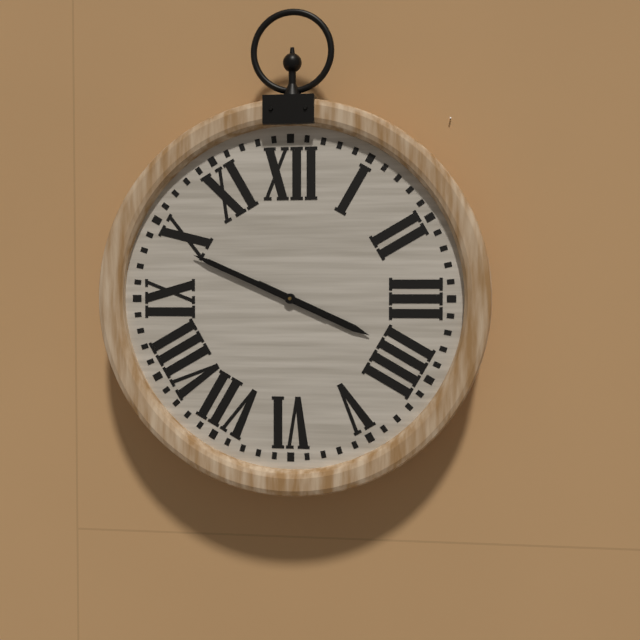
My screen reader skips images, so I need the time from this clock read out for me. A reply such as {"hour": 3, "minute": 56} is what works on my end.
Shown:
{"hour": 3, "minute": 49}
